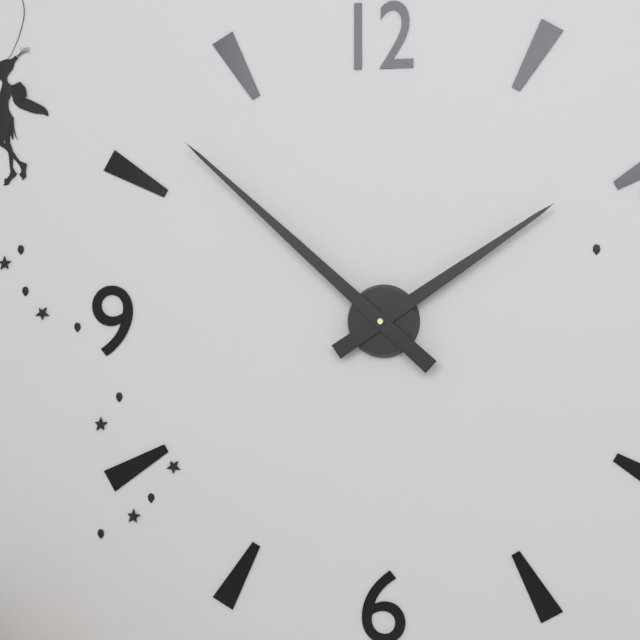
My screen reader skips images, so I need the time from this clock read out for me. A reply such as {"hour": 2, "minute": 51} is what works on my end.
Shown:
{"hour": 1, "minute": 52}
